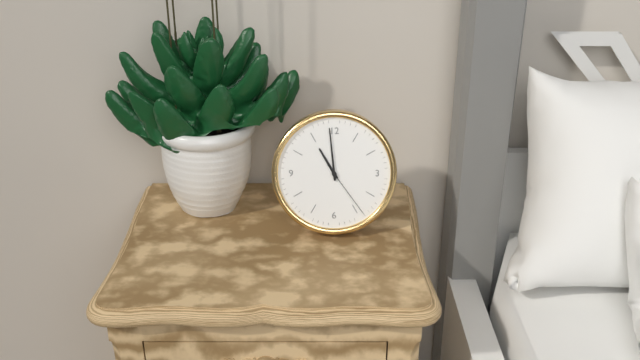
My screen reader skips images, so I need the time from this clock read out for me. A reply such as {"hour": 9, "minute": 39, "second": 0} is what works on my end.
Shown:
{"hour": 10, "minute": 59, "second": 24}
